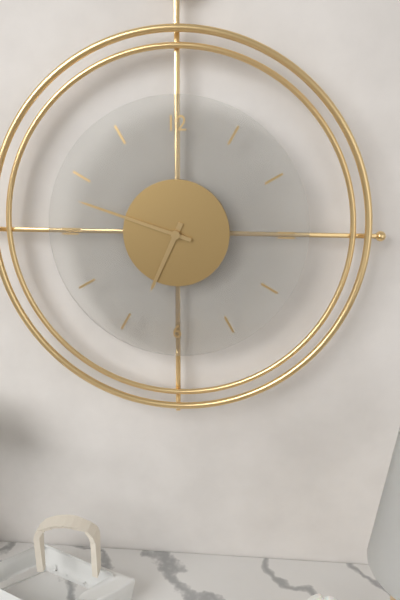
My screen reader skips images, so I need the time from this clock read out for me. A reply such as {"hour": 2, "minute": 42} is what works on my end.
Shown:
{"hour": 6, "minute": 48}
